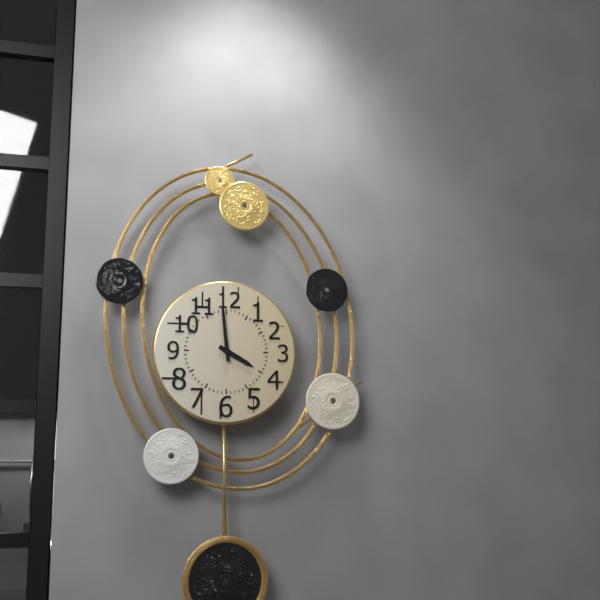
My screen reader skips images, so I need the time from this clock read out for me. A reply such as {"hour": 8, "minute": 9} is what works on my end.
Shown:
{"hour": 3, "minute": 59}
